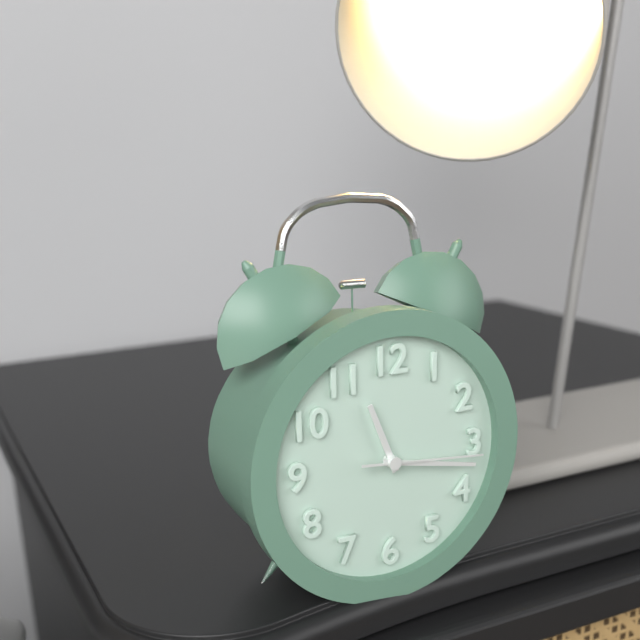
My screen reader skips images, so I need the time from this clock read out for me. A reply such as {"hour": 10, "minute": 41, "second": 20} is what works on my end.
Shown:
{"hour": 11, "minute": 17, "second": 16}
